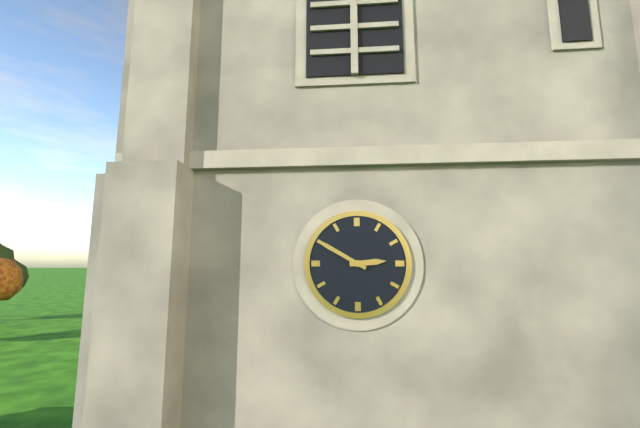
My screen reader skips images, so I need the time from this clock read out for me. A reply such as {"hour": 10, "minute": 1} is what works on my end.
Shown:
{"hour": 2, "minute": 50}
